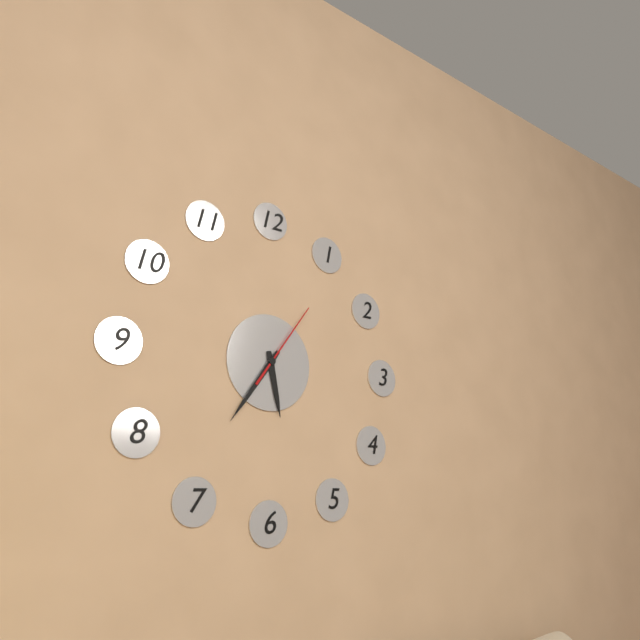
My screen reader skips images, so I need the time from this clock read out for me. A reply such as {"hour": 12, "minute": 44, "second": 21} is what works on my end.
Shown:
{"hour": 5, "minute": 36, "second": 6}
